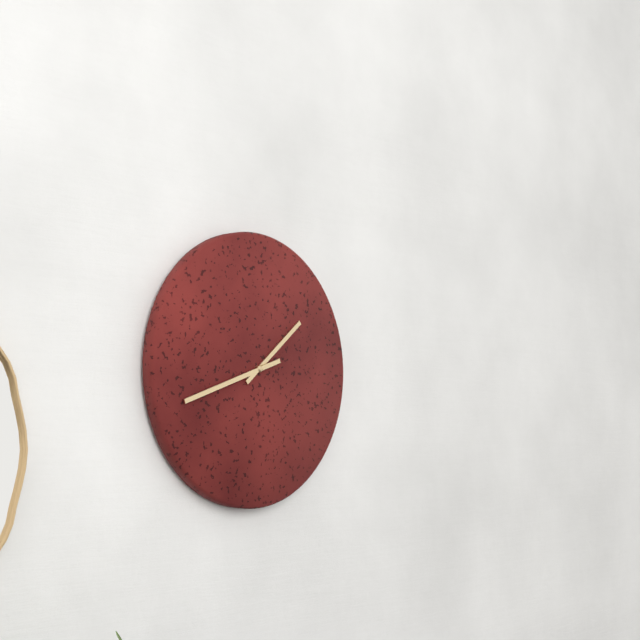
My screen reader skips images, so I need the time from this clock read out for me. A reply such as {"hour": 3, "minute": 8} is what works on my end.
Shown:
{"hour": 1, "minute": 42}
